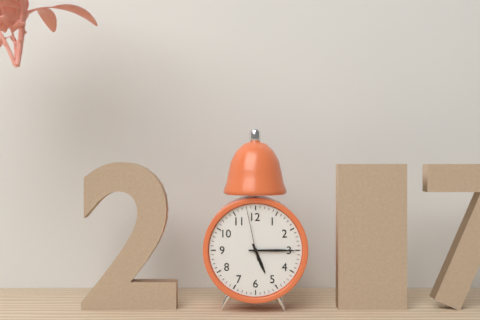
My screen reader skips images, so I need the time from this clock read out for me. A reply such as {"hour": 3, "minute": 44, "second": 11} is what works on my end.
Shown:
{"hour": 5, "minute": 15, "second": 58}
